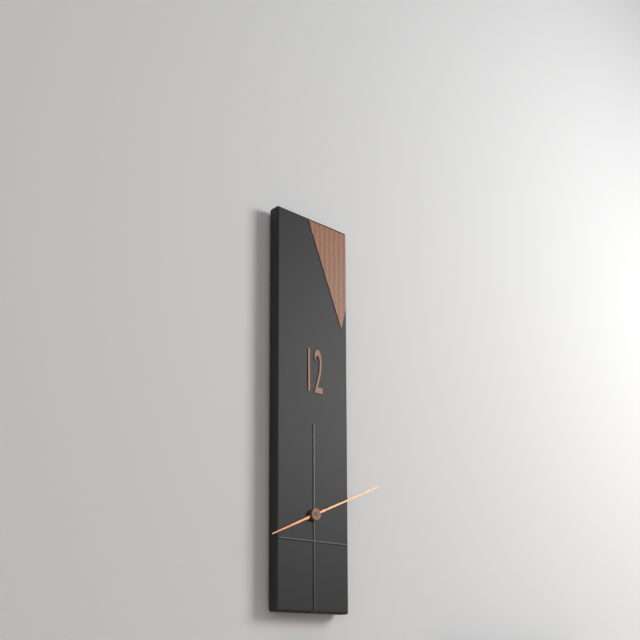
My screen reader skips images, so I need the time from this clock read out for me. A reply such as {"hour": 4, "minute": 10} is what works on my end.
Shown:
{"hour": 8, "minute": 11}
